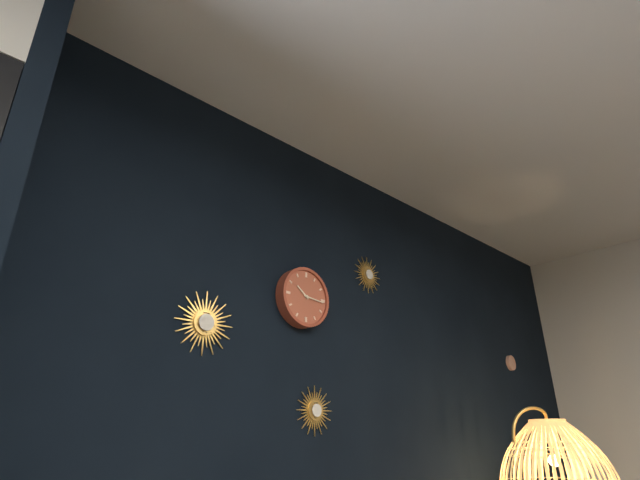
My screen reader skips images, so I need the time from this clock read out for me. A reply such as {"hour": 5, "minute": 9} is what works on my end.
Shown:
{"hour": 10, "minute": 16}
